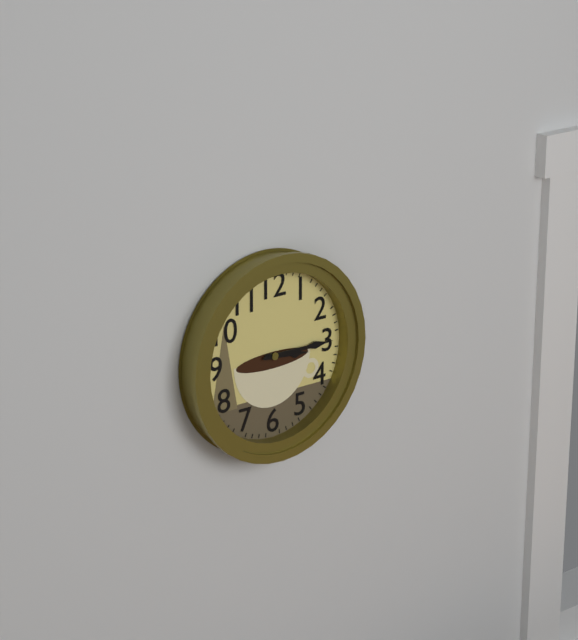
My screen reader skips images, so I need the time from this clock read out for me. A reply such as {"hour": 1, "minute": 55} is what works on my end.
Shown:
{"hour": 3, "minute": 15}
